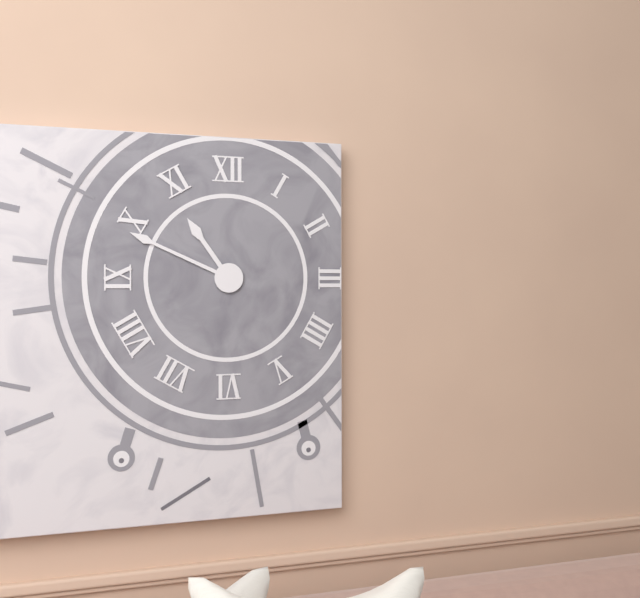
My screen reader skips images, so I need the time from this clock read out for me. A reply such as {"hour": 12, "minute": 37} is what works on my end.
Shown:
{"hour": 10, "minute": 49}
